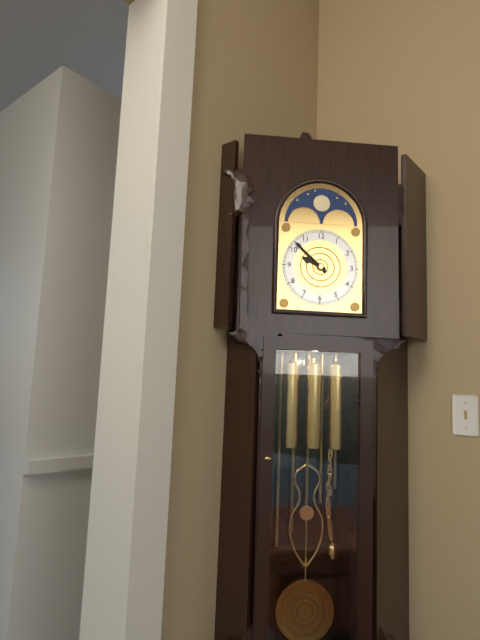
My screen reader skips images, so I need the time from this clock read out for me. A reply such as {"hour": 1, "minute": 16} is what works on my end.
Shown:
{"hour": 9, "minute": 52}
